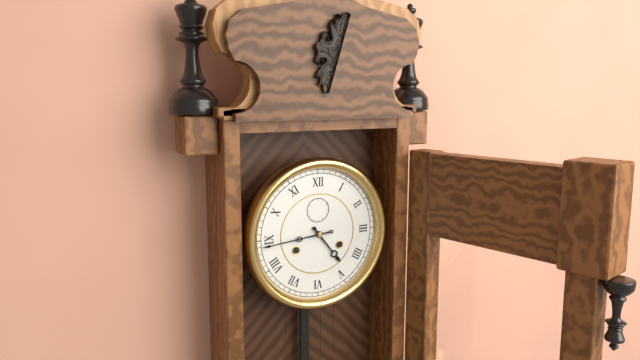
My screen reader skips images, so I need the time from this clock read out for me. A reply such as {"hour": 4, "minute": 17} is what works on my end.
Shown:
{"hour": 4, "minute": 44}
